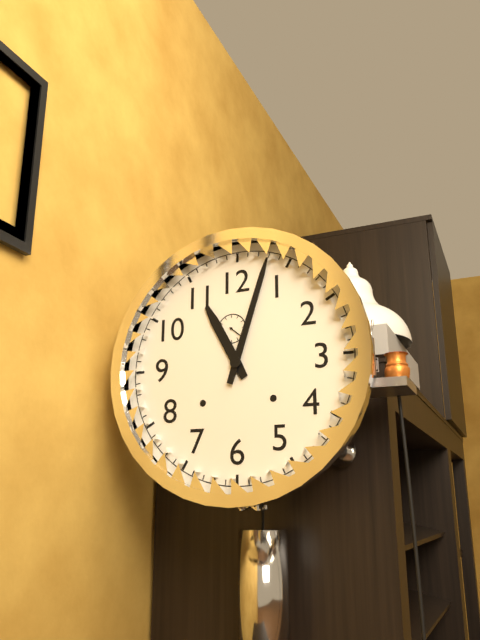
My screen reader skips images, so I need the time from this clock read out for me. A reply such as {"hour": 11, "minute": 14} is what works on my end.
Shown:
{"hour": 11, "minute": 3}
